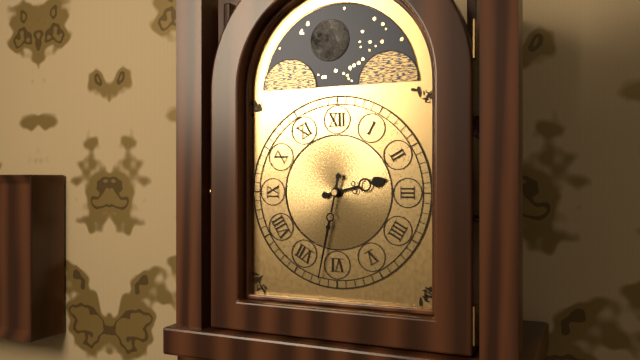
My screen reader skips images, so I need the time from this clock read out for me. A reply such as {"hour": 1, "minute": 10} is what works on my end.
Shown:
{"hour": 2, "minute": 32}
